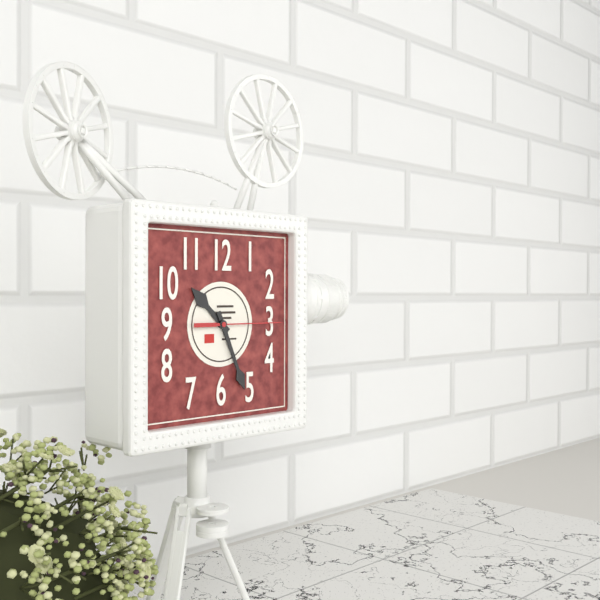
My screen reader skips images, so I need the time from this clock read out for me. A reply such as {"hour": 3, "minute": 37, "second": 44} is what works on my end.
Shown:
{"hour": 10, "minute": 26, "second": 15}
